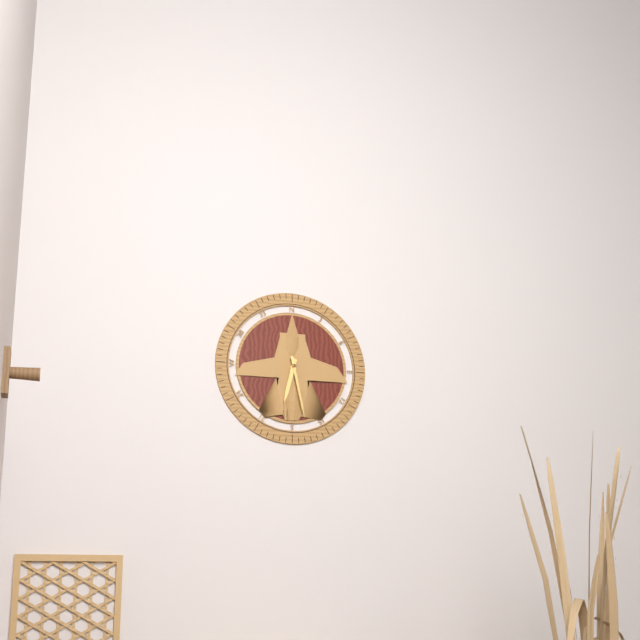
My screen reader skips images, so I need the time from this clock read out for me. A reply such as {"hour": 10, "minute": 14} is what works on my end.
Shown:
{"hour": 6, "minute": 28}
